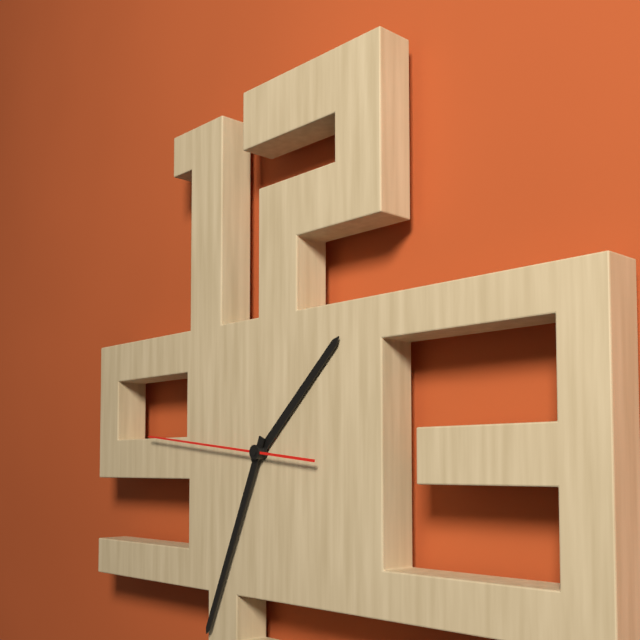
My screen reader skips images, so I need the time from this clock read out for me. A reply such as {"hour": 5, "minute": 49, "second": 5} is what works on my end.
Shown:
{"hour": 1, "minute": 34, "second": 46}
